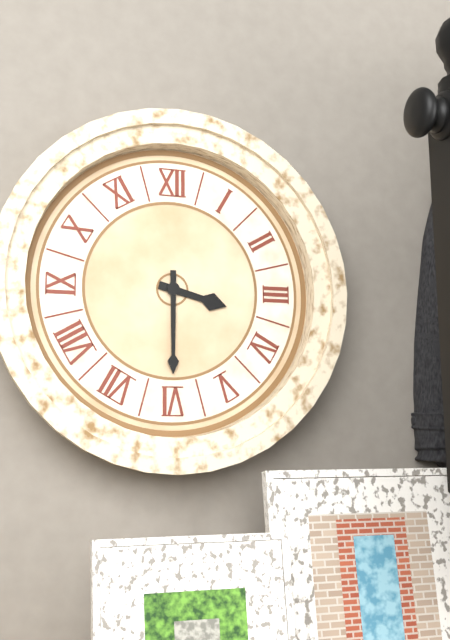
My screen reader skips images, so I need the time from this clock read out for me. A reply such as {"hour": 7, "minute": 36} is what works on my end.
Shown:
{"hour": 3, "minute": 30}
